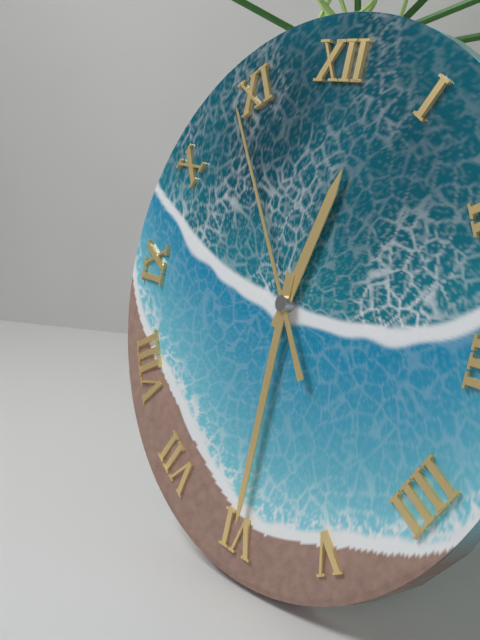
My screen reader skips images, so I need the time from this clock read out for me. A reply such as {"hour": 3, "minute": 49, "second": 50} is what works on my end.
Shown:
{"hour": 12, "minute": 30, "second": 54}
